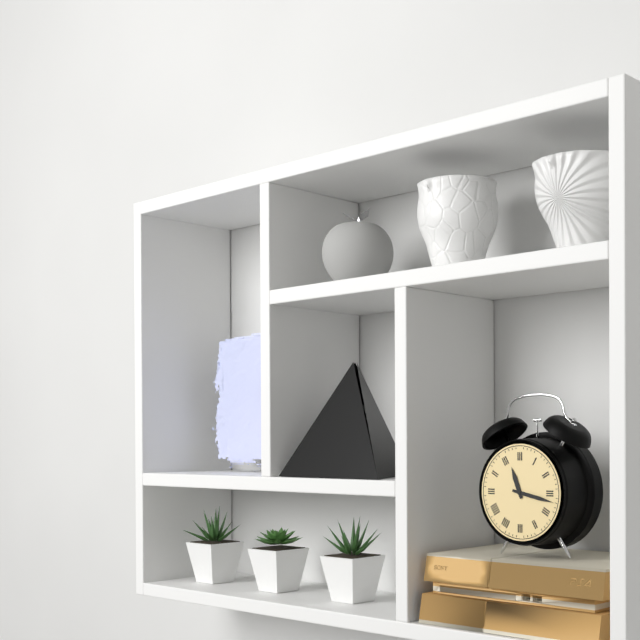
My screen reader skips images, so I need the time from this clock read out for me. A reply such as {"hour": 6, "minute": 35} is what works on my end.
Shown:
{"hour": 11, "minute": 17}
